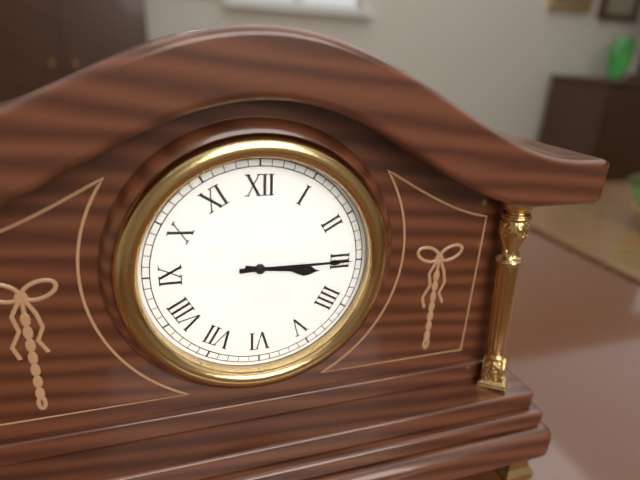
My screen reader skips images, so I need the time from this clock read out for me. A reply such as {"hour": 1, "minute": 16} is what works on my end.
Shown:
{"hour": 3, "minute": 15}
